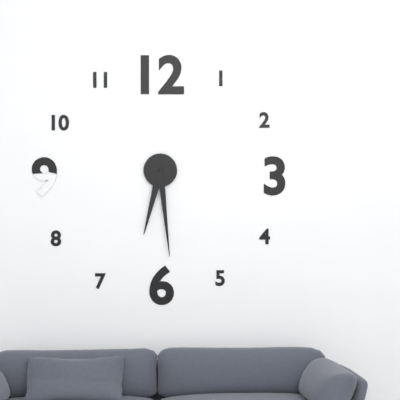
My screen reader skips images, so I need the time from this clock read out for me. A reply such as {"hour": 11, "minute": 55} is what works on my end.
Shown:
{"hour": 6, "minute": 29}
